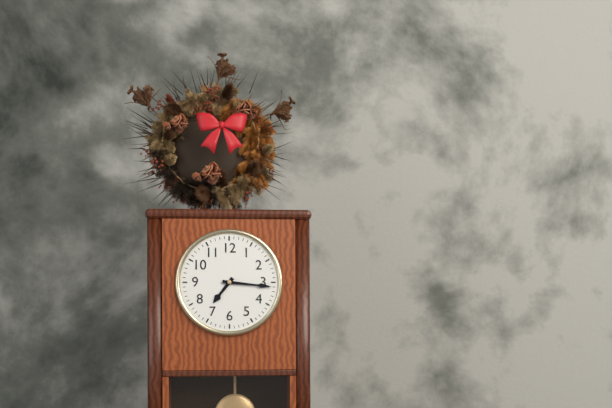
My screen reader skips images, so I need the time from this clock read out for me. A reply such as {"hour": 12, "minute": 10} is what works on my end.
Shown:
{"hour": 7, "minute": 16}
